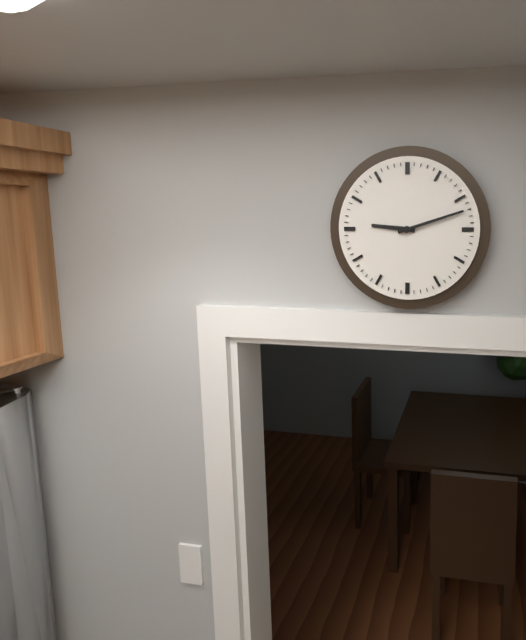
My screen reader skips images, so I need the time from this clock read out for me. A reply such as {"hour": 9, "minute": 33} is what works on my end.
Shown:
{"hour": 9, "minute": 12}
